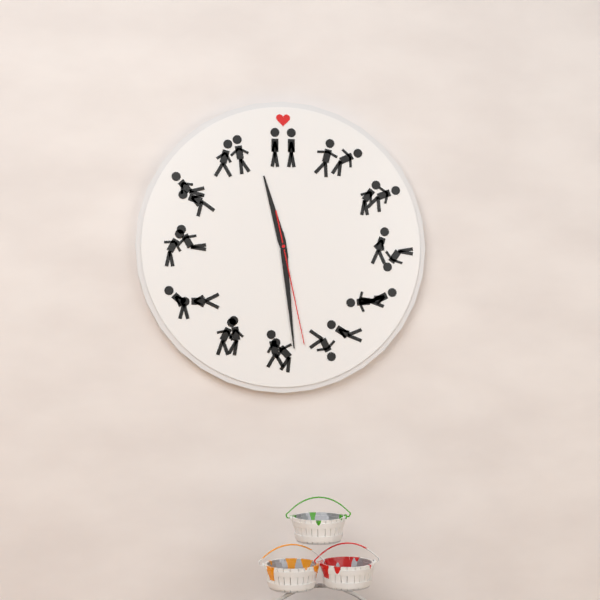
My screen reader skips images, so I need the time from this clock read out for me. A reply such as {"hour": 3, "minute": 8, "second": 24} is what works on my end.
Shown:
{"hour": 11, "minute": 29, "second": 28}
